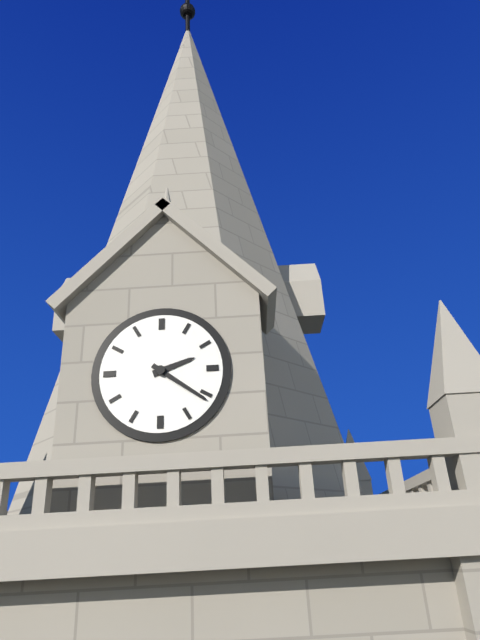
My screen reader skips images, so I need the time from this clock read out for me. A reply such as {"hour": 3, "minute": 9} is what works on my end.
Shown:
{"hour": 2, "minute": 21}
